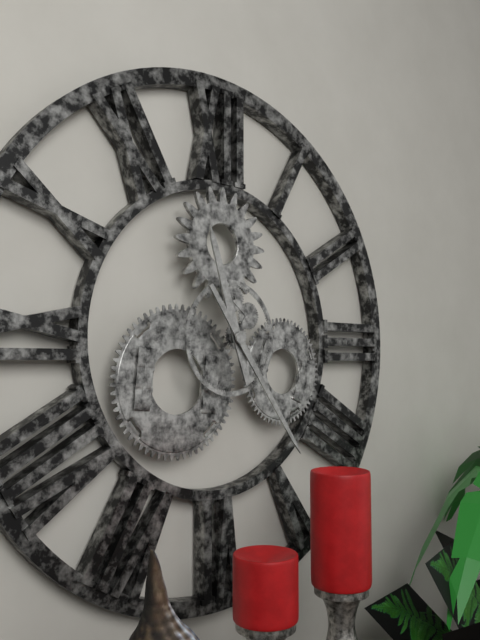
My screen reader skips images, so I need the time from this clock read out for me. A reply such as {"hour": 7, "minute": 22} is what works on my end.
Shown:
{"hour": 11, "minute": 24}
